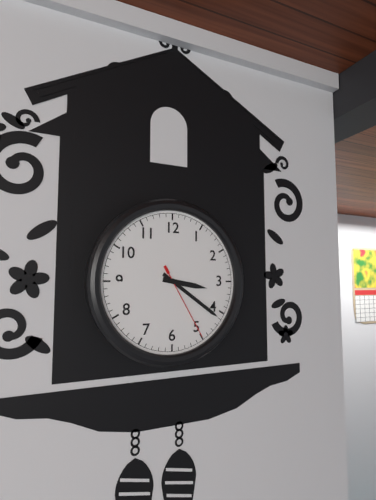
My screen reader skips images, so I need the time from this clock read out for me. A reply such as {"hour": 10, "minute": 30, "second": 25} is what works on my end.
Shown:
{"hour": 3, "minute": 21, "second": 25}
